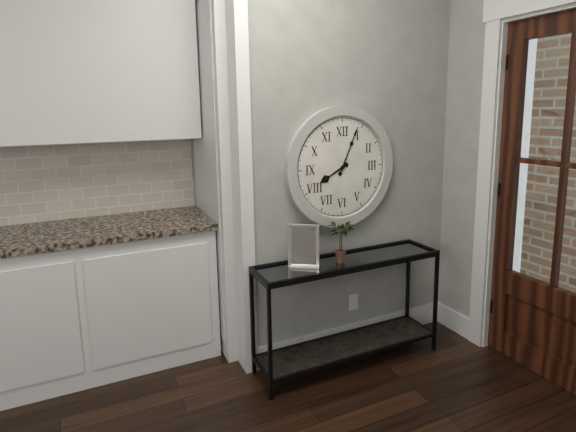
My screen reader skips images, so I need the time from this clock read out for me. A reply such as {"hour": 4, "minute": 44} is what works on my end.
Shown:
{"hour": 8, "minute": 4}
